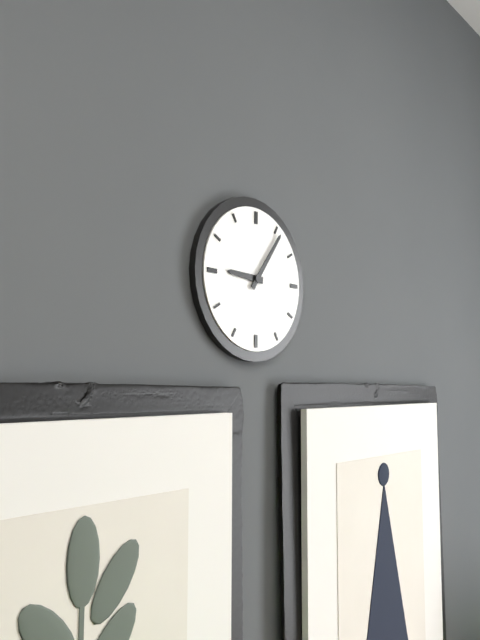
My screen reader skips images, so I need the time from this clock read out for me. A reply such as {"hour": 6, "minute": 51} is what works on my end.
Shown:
{"hour": 9, "minute": 6}
